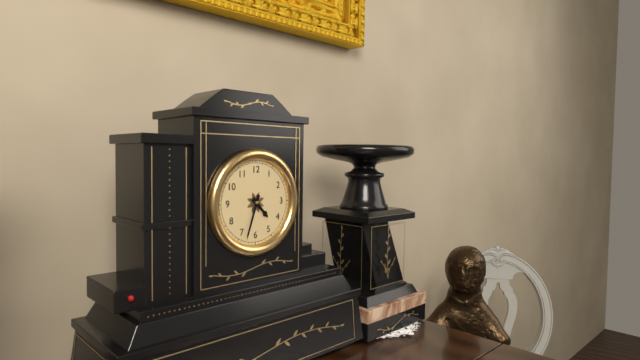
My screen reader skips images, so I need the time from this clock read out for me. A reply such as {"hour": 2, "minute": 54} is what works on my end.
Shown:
{"hour": 4, "minute": 33}
